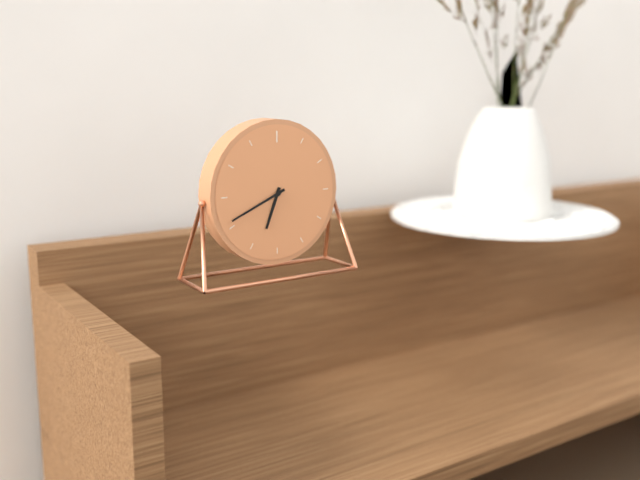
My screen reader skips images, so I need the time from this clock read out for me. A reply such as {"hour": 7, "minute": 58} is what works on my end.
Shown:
{"hour": 6, "minute": 41}
